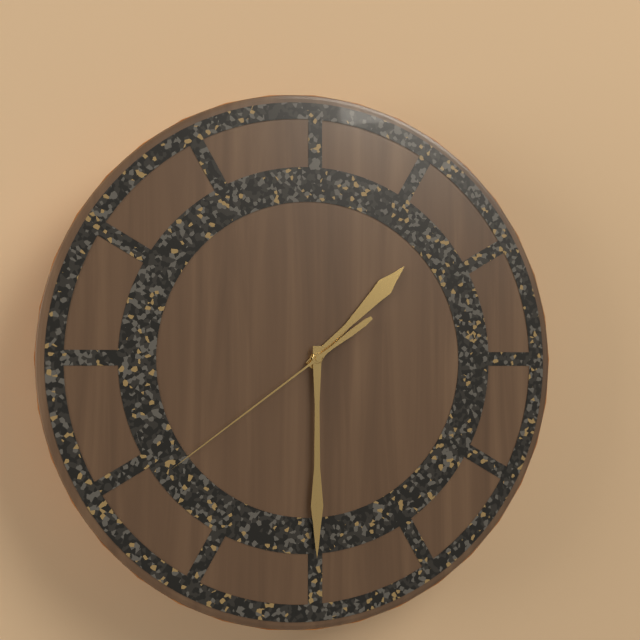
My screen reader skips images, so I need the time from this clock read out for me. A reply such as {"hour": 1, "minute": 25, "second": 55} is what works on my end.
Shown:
{"hour": 1, "minute": 30, "second": 39}
